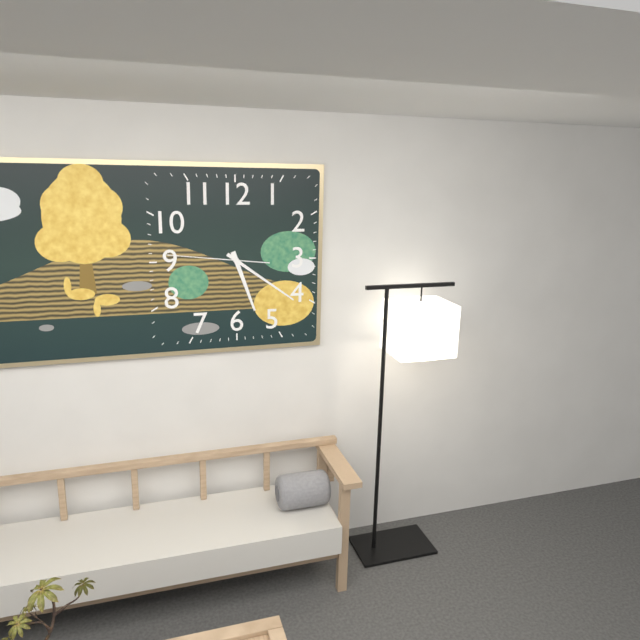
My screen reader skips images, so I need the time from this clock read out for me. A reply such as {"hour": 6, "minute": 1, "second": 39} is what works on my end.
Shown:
{"hour": 5, "minute": 21, "second": 46}
